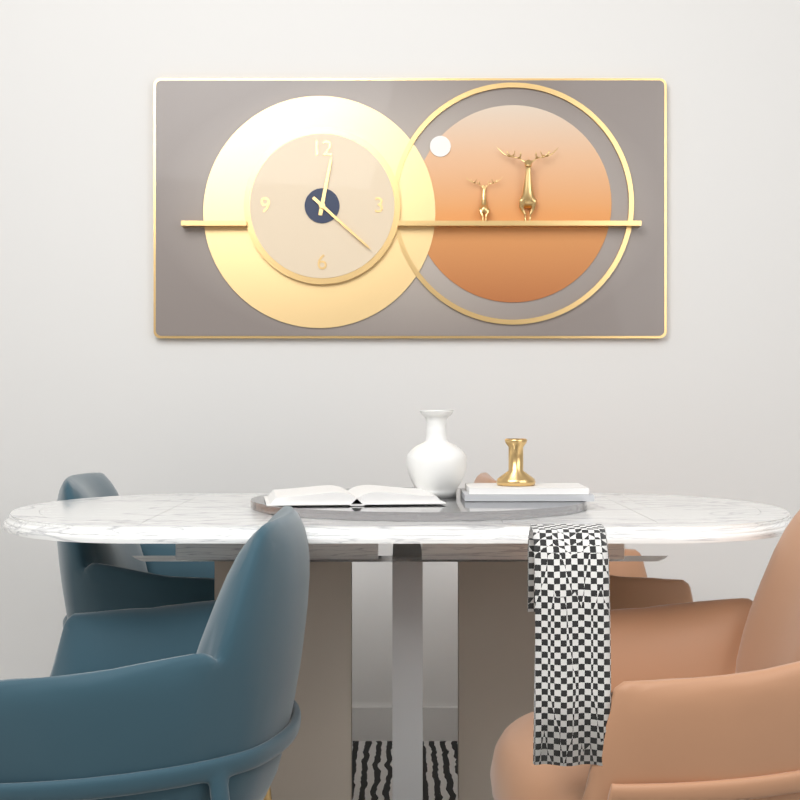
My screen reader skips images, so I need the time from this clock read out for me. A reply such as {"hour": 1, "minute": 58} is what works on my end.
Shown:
{"hour": 12, "minute": 22}
